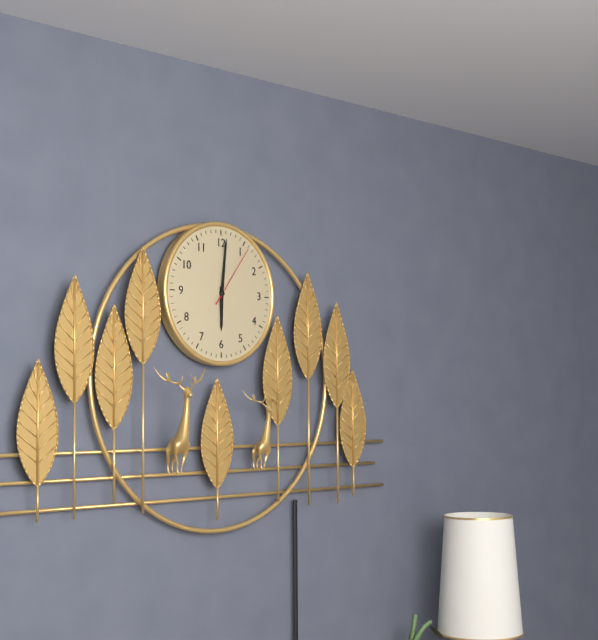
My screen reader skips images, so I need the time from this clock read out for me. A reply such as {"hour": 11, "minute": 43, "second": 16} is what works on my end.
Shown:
{"hour": 6, "minute": 1, "second": 6}
